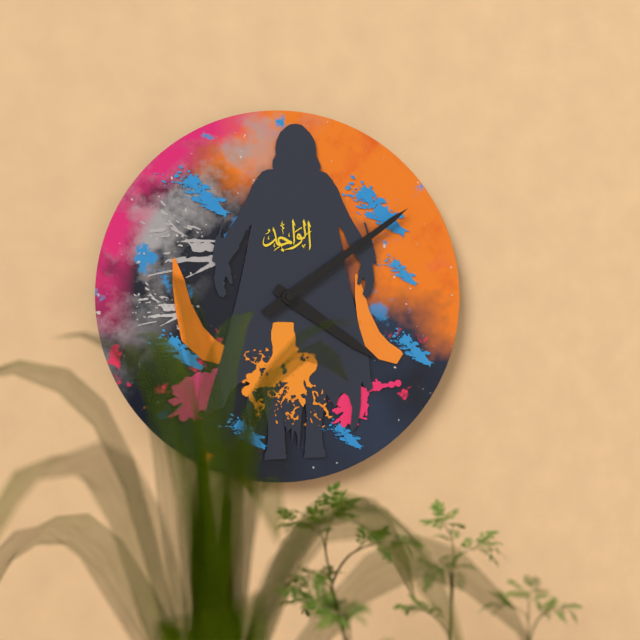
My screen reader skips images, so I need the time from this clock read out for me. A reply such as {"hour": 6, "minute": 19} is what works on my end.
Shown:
{"hour": 4, "minute": 9}
